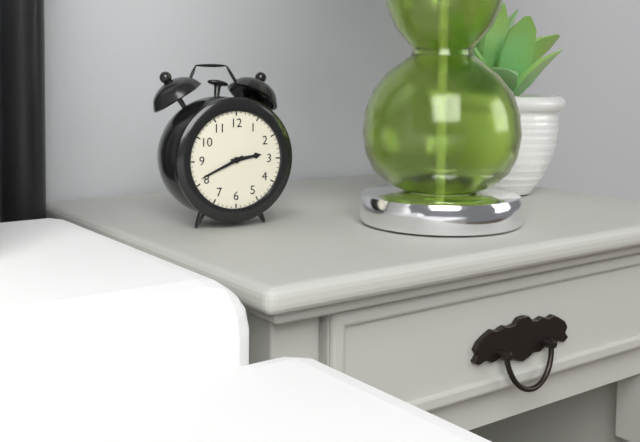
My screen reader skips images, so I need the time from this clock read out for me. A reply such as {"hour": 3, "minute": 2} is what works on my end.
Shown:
{"hour": 2, "minute": 41}
